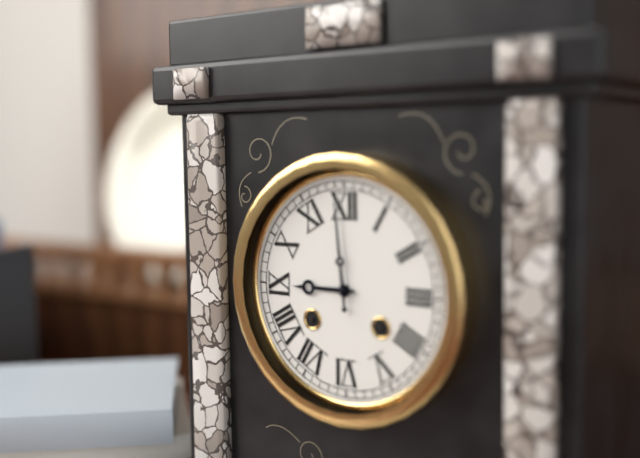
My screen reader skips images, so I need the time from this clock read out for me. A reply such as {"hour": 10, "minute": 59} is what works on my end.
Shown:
{"hour": 8, "minute": 59}
